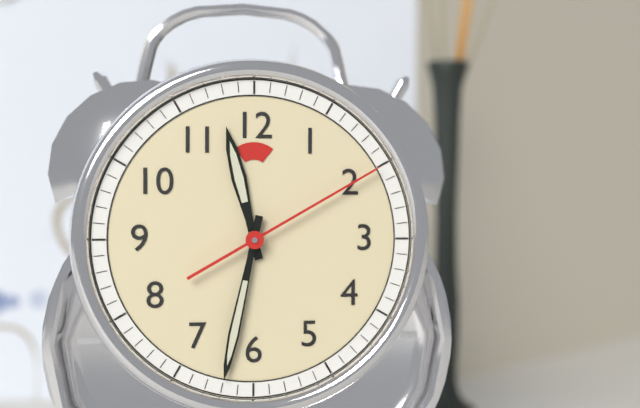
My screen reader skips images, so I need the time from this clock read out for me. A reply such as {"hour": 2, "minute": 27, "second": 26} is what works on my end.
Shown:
{"hour": 11, "minute": 32, "second": 10}
